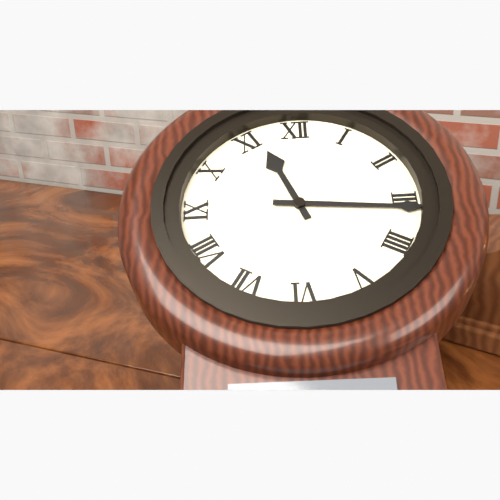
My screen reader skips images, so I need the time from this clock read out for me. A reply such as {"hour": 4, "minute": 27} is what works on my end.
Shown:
{"hour": 11, "minute": 16}
